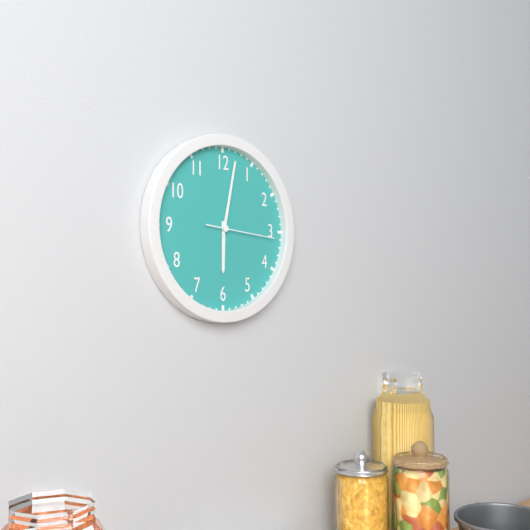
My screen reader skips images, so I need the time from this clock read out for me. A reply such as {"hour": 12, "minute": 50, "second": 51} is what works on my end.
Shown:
{"hour": 6, "minute": 2, "second": 16}
